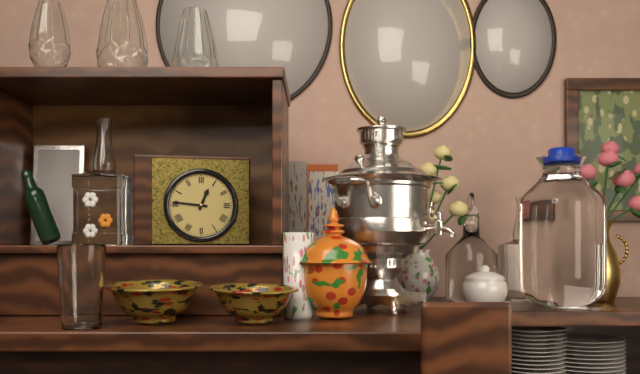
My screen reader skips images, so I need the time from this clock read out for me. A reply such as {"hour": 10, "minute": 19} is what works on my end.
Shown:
{"hour": 12, "minute": 46}
